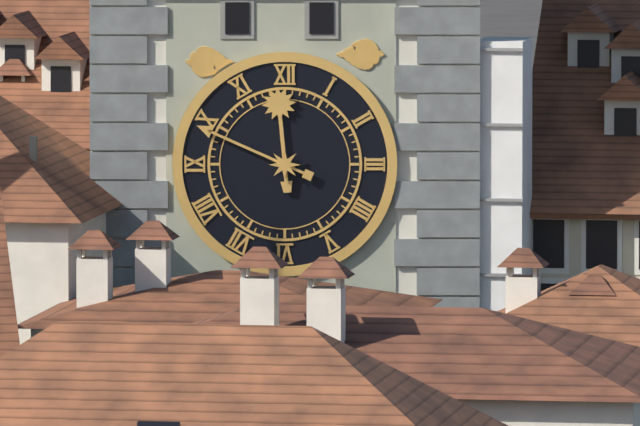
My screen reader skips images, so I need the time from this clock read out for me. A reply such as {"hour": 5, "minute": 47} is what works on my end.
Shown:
{"hour": 11, "minute": 49}
